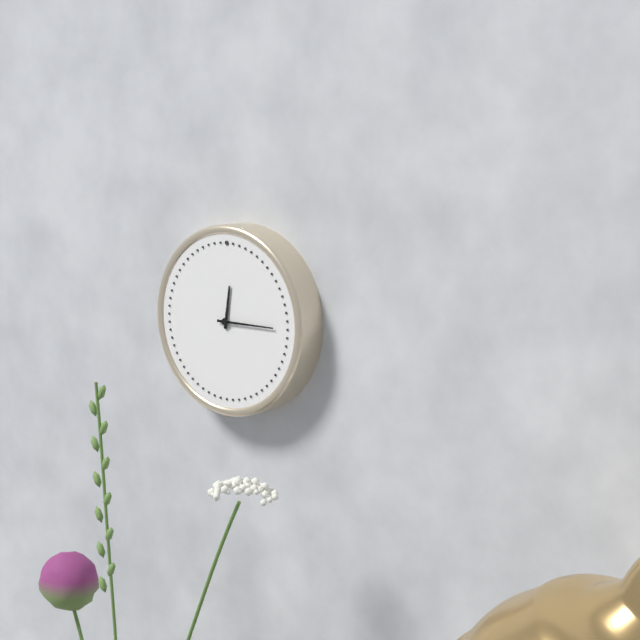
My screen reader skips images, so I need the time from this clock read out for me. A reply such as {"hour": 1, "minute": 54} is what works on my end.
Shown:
{"hour": 12, "minute": 15}
